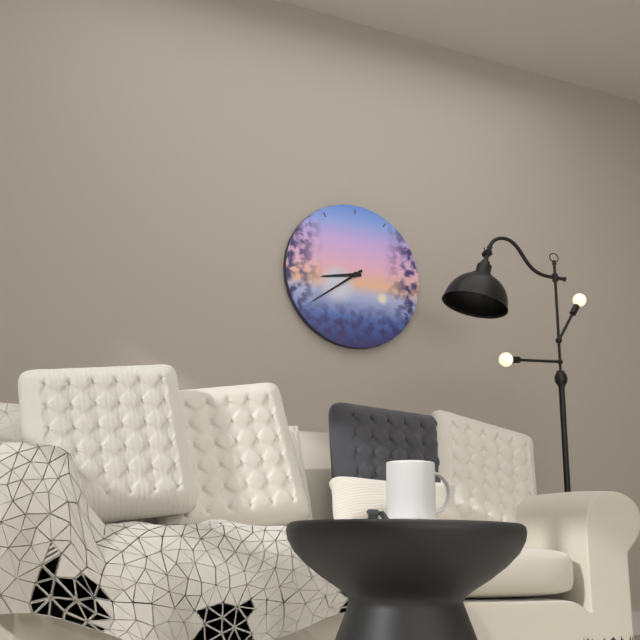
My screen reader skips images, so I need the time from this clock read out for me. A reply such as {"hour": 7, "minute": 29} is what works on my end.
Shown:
{"hour": 8, "minute": 39}
